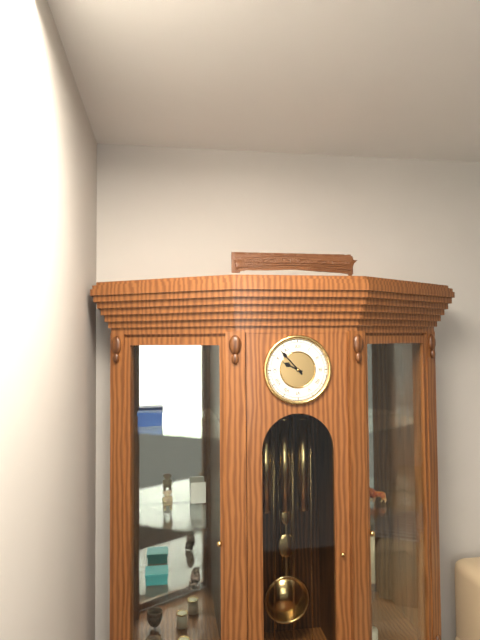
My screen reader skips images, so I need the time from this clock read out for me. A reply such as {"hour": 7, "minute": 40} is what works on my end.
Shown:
{"hour": 9, "minute": 53}
